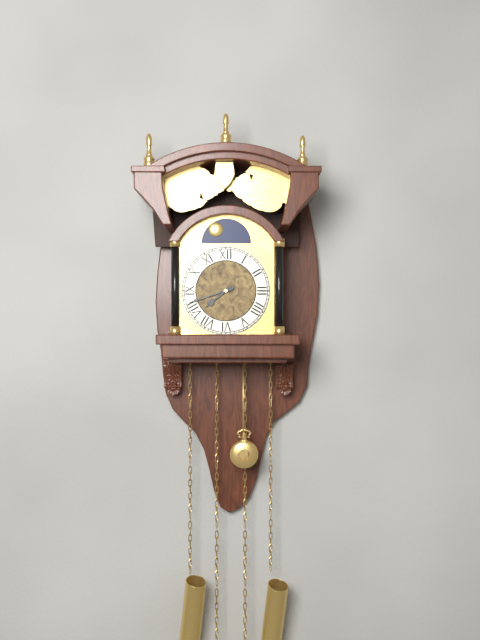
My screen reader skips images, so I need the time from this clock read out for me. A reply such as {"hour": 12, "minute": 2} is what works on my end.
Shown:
{"hour": 7, "minute": 42}
